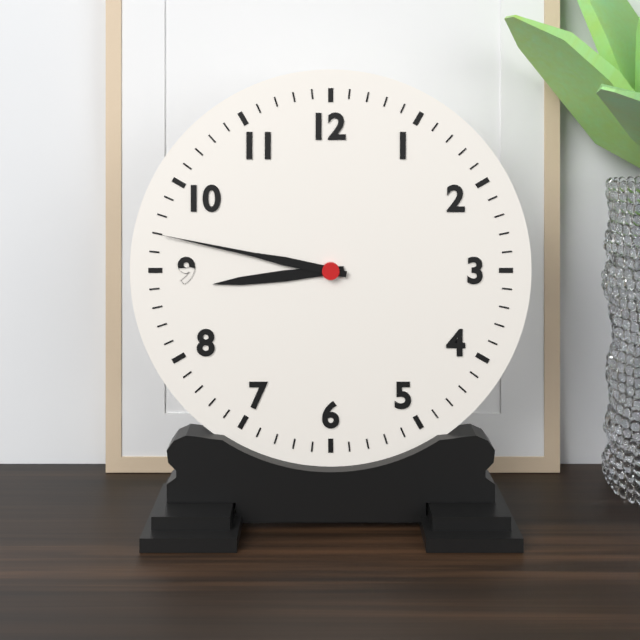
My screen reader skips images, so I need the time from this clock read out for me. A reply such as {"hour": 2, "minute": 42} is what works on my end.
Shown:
{"hour": 8, "minute": 47}
